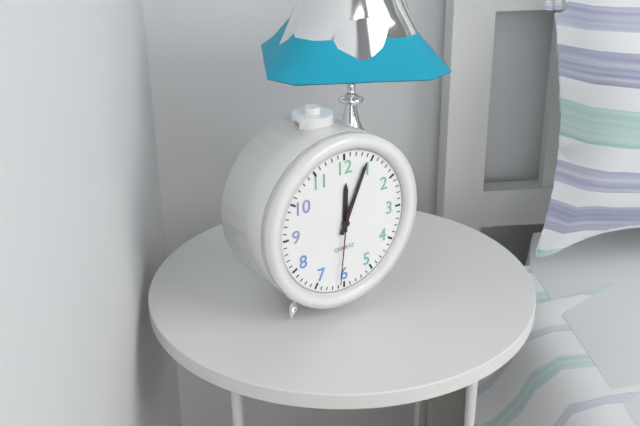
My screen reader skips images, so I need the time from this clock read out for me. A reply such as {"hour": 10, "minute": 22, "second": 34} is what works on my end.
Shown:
{"hour": 12, "minute": 4, "second": 31}
